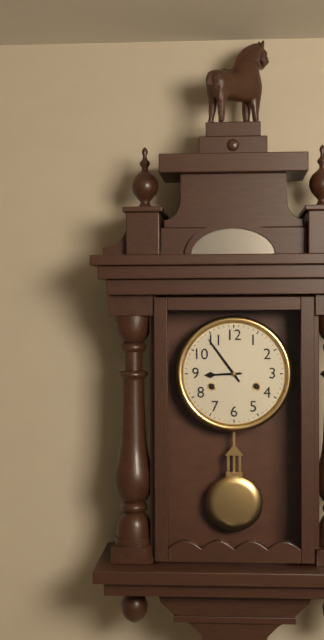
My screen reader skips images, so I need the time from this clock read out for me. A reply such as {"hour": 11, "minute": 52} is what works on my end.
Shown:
{"hour": 8, "minute": 54}
